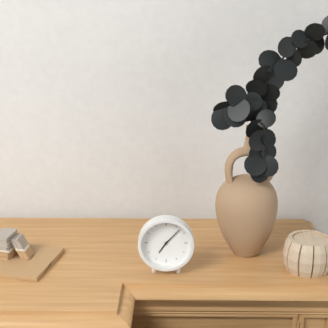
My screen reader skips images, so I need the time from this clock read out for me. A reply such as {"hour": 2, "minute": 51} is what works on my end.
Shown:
{"hour": 7, "minute": 7}
